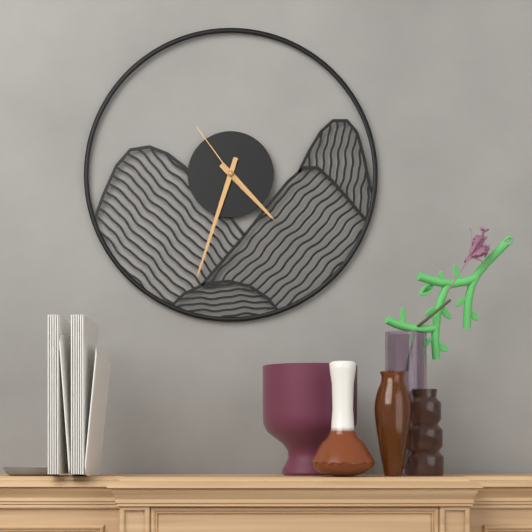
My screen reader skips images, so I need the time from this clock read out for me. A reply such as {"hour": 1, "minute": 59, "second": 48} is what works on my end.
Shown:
{"hour": 4, "minute": 33, "second": 54}
